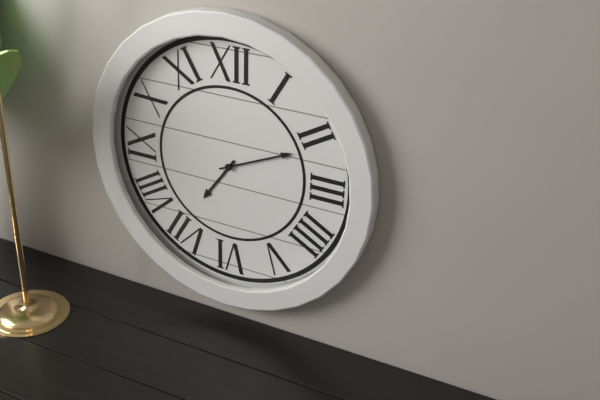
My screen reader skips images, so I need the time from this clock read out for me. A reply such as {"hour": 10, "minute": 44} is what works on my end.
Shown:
{"hour": 7, "minute": 11}
